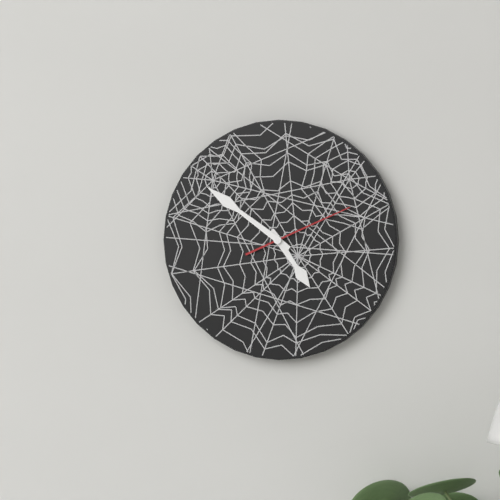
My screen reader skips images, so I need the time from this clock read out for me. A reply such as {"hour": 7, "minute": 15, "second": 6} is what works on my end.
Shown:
{"hour": 4, "minute": 51, "second": 11}
